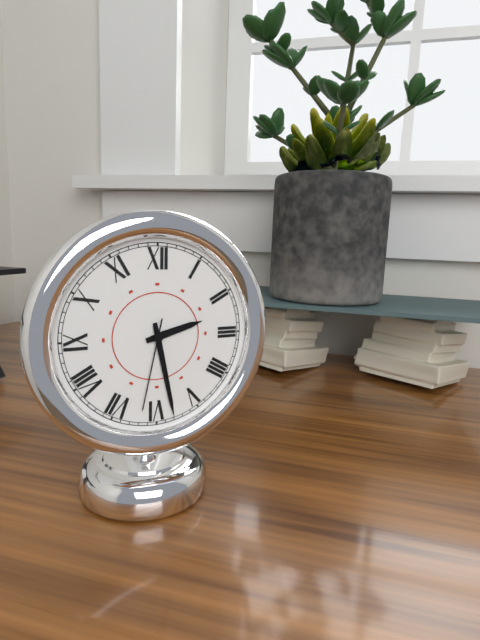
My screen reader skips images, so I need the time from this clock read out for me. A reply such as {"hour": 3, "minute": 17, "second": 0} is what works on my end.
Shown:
{"hour": 2, "minute": 28, "second": 32}
